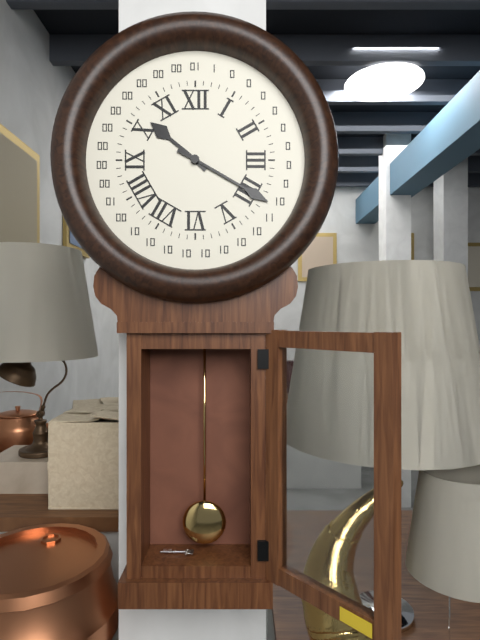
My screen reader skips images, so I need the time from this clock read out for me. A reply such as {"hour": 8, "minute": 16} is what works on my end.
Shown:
{"hour": 10, "minute": 20}
